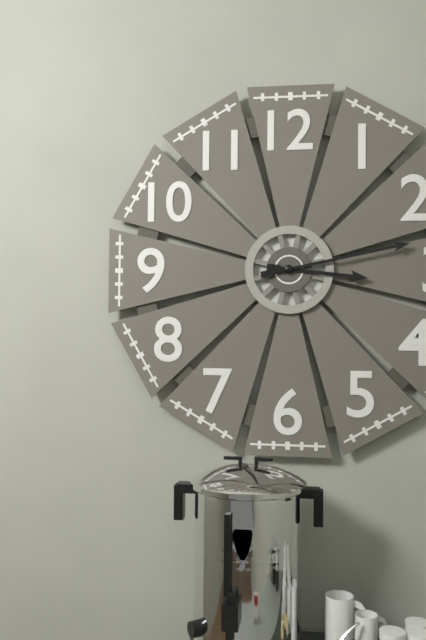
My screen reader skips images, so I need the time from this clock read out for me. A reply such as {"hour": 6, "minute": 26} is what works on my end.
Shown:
{"hour": 3, "minute": 13}
